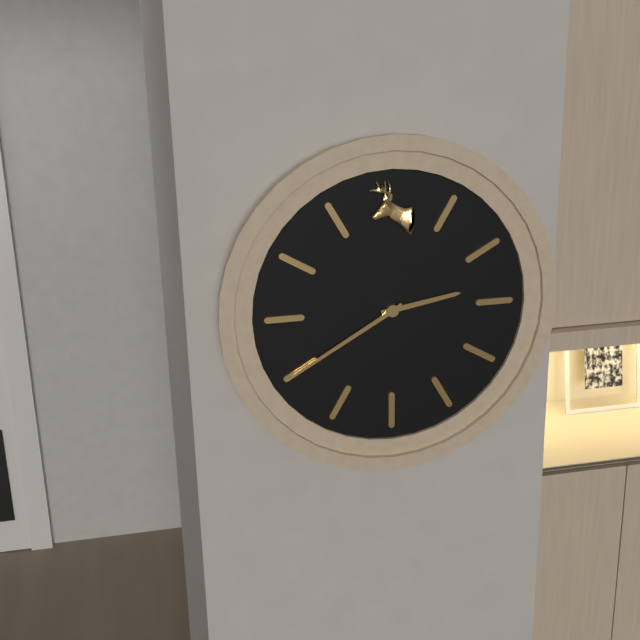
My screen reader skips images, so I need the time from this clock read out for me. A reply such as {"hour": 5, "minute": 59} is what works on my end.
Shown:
{"hour": 2, "minute": 40}
